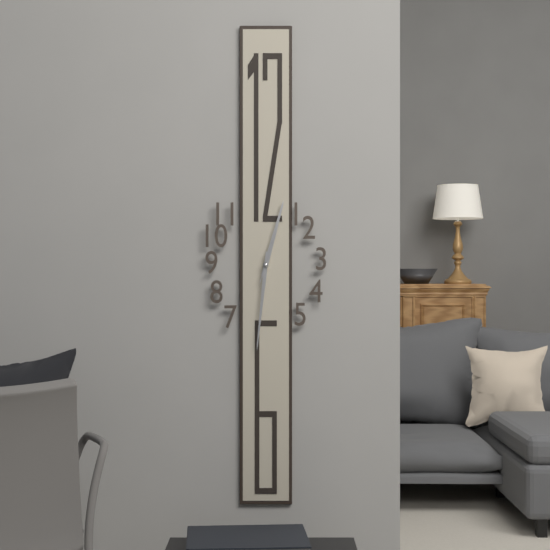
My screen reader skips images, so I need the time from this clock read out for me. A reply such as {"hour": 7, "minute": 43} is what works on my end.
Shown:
{"hour": 12, "minute": 31}
